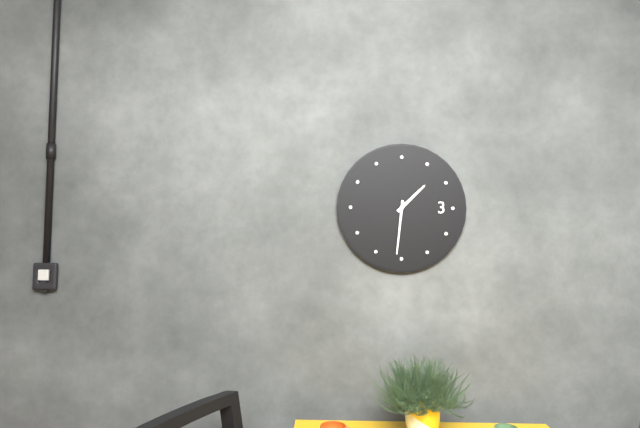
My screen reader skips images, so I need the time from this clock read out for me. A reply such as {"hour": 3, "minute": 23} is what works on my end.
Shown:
{"hour": 1, "minute": 31}
